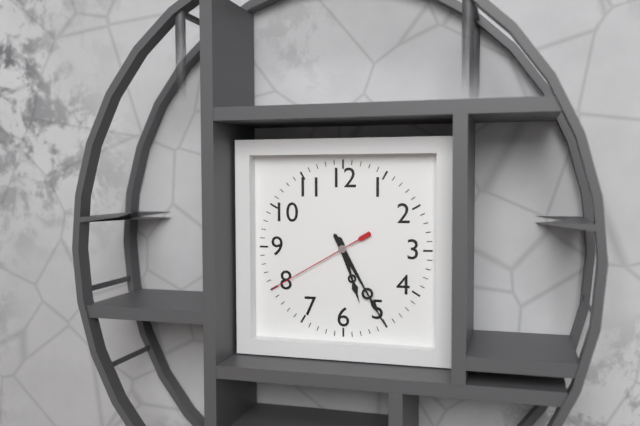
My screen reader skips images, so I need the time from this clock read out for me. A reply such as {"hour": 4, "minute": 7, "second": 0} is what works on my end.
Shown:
{"hour": 5, "minute": 25, "second": 40}
